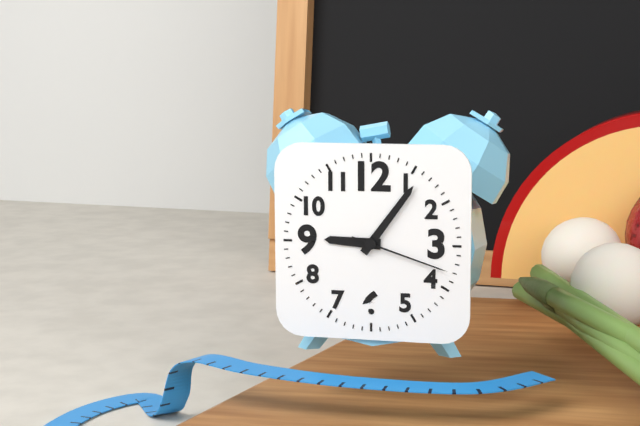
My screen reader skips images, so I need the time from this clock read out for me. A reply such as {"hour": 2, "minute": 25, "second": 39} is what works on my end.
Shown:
{"hour": 9, "minute": 6, "second": 18}
